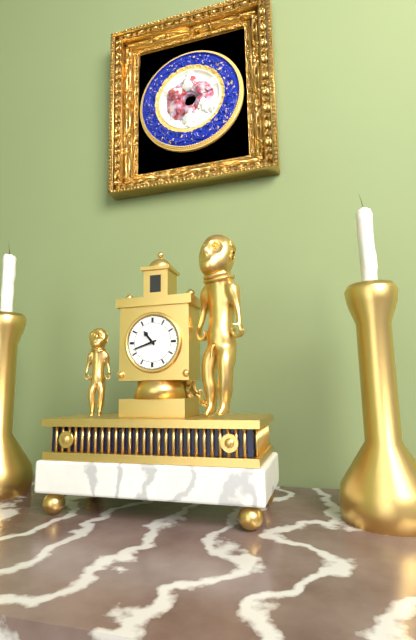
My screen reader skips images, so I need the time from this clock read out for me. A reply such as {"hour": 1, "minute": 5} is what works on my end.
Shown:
{"hour": 10, "minute": 42}
